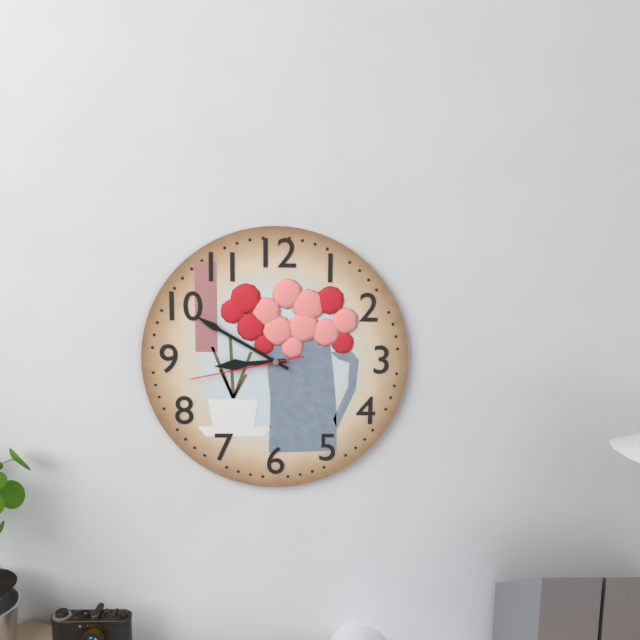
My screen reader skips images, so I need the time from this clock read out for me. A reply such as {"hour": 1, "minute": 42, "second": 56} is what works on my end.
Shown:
{"hour": 8, "minute": 50, "second": 43}
